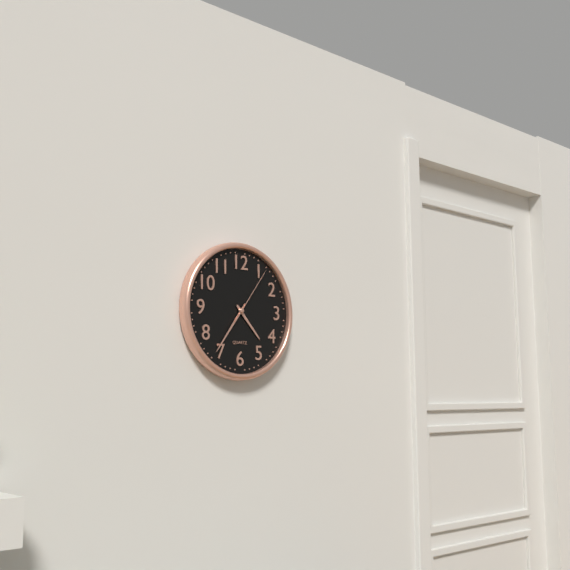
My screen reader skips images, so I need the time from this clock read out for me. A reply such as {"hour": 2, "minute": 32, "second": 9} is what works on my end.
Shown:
{"hour": 4, "minute": 36, "second": 6}
